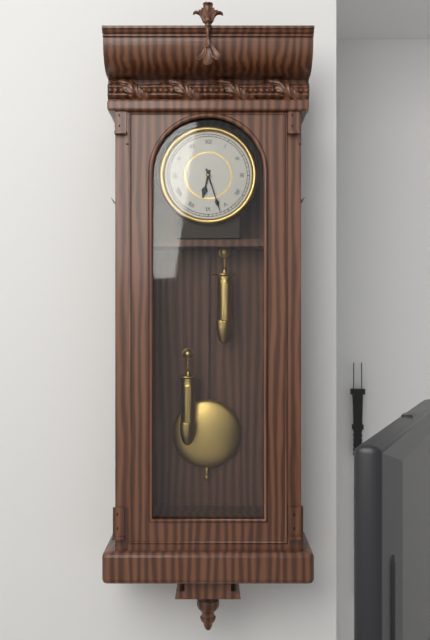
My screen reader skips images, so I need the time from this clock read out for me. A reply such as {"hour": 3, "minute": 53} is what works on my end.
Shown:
{"hour": 6, "minute": 27}
